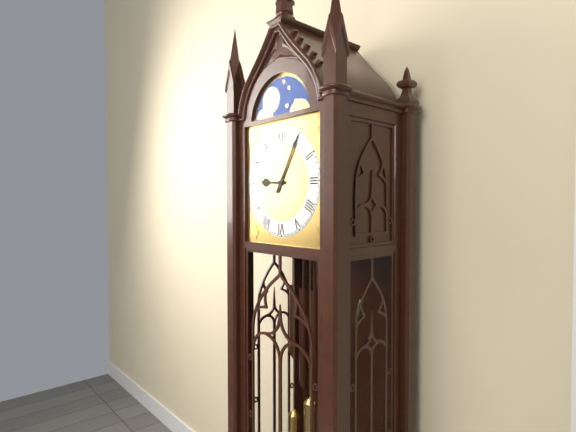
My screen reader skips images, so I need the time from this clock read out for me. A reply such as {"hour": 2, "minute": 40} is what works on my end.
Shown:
{"hour": 9, "minute": 5}
